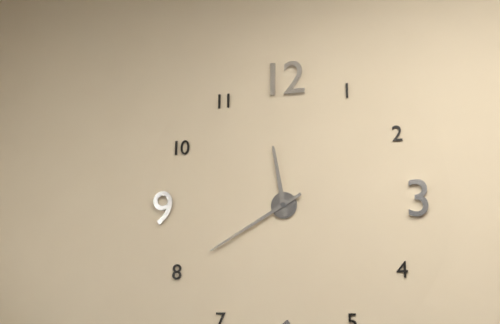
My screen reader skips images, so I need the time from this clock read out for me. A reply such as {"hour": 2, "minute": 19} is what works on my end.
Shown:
{"hour": 11, "minute": 40}
